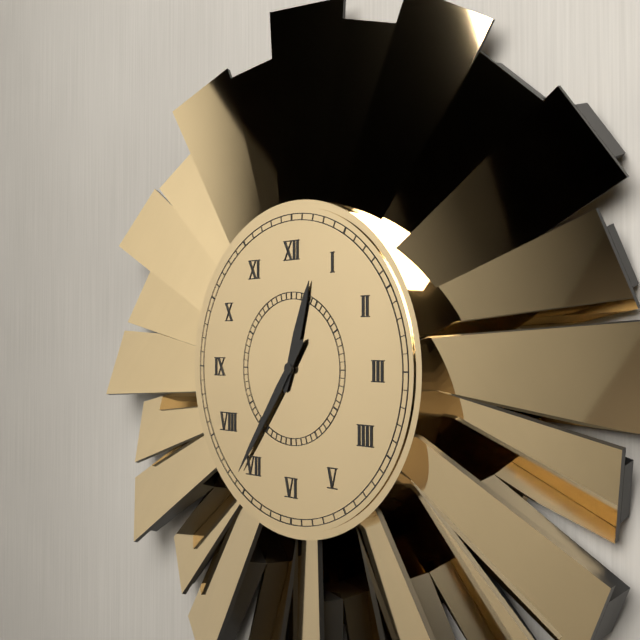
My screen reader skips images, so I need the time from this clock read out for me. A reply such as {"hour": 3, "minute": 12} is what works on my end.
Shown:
{"hour": 12, "minute": 36}
